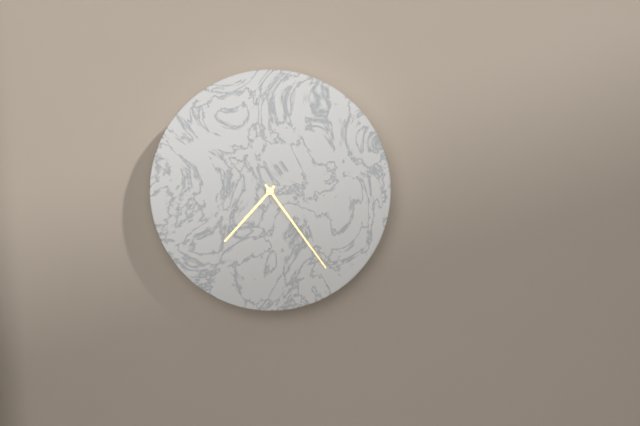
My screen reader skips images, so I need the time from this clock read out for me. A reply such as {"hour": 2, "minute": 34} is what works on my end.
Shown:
{"hour": 7, "minute": 24}
